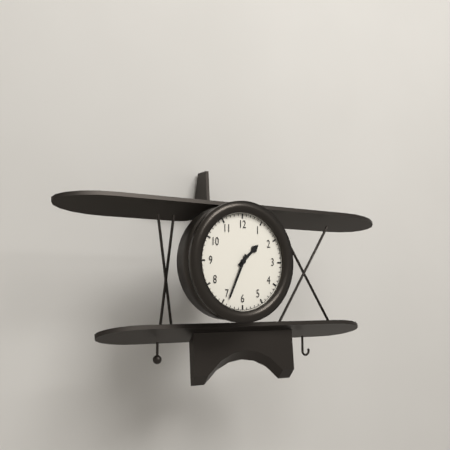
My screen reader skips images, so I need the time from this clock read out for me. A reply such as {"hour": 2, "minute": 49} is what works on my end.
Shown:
{"hour": 1, "minute": 34}
